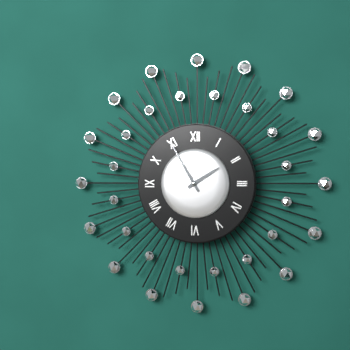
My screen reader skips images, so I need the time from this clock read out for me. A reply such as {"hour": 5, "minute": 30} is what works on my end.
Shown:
{"hour": 1, "minute": 55}
